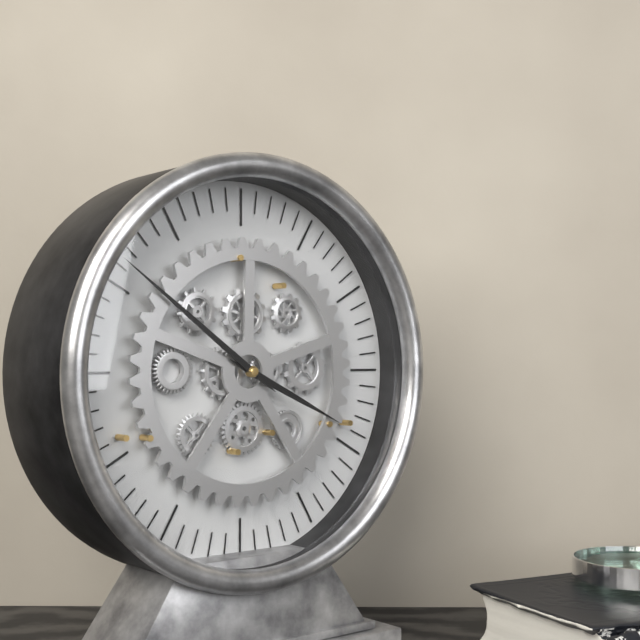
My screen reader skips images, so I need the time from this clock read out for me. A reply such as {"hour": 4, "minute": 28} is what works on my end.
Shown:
{"hour": 3, "minute": 51}
